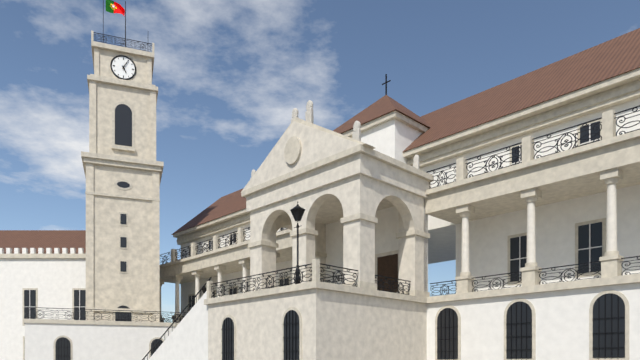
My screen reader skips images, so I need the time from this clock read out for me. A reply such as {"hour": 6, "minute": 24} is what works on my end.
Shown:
{"hour": 5, "minute": 5}
